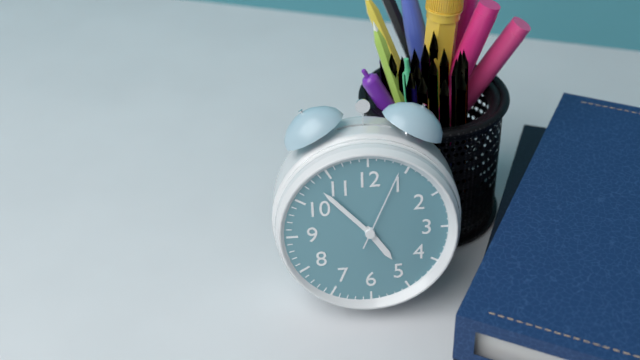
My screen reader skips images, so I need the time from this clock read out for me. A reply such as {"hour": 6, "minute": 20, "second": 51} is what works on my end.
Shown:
{"hour": 4, "minute": 53, "second": 4}
